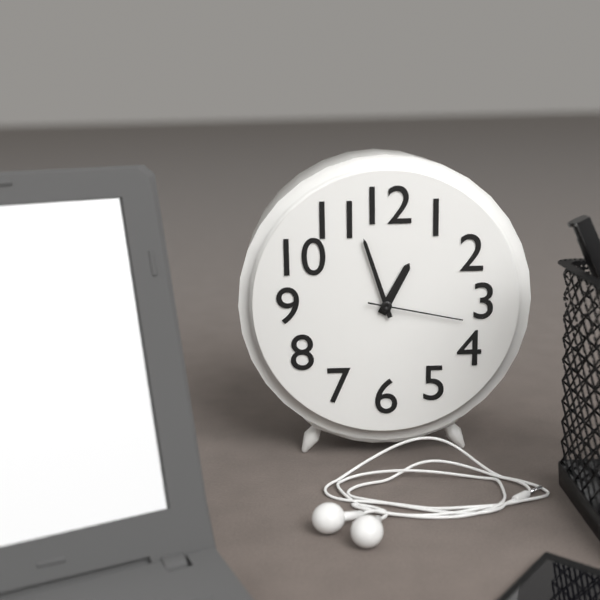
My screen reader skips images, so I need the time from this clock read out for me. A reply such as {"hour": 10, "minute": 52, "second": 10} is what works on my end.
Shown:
{"hour": 12, "minute": 57, "second": 17}
